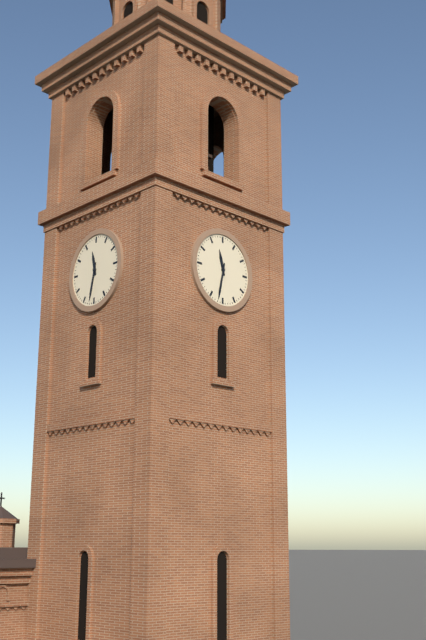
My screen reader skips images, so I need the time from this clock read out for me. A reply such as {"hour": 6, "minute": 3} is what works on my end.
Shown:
{"hour": 11, "minute": 32}
